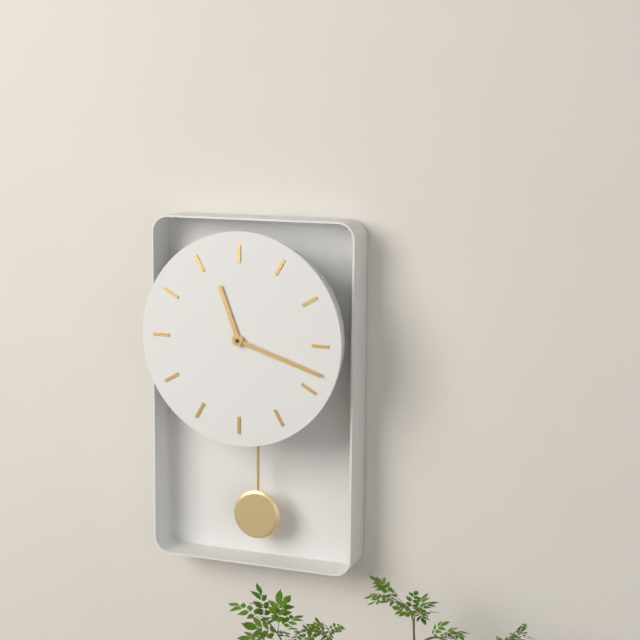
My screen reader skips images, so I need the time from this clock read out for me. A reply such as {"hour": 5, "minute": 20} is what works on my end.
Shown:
{"hour": 11, "minute": 18}
